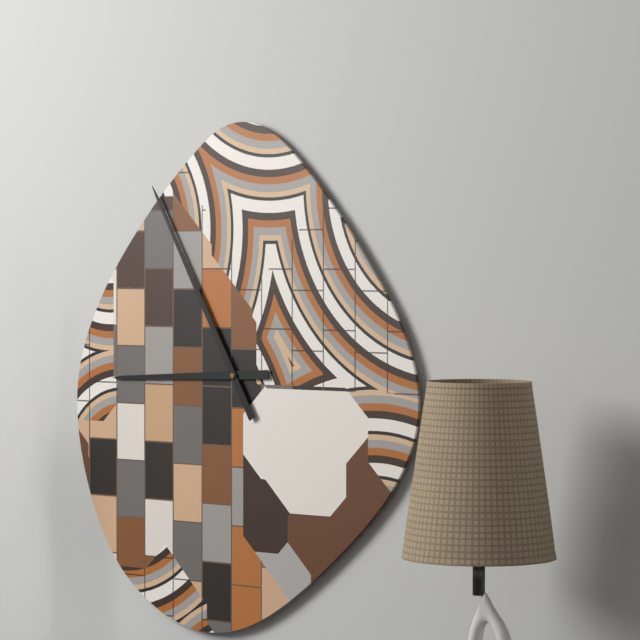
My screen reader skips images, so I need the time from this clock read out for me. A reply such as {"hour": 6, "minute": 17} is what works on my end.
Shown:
{"hour": 8, "minute": 55}
